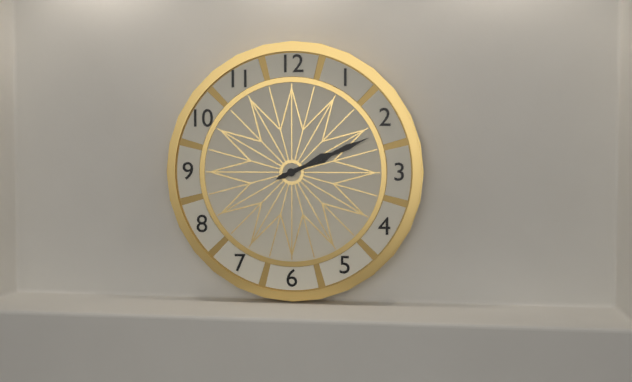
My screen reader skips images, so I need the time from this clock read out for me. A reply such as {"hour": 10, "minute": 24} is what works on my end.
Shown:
{"hour": 2, "minute": 11}
